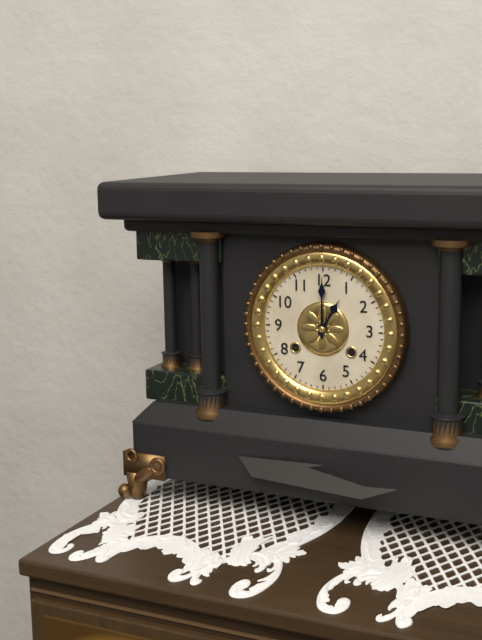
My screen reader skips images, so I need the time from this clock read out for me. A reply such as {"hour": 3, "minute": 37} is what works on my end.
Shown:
{"hour": 1, "minute": 0}
